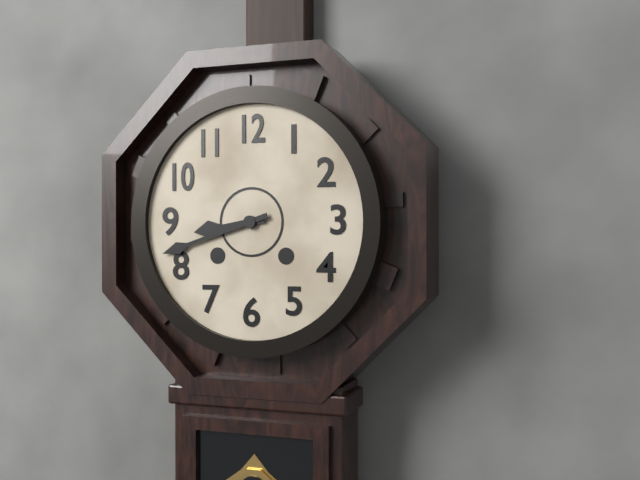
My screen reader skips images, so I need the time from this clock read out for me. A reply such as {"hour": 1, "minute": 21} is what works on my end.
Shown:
{"hour": 8, "minute": 42}
